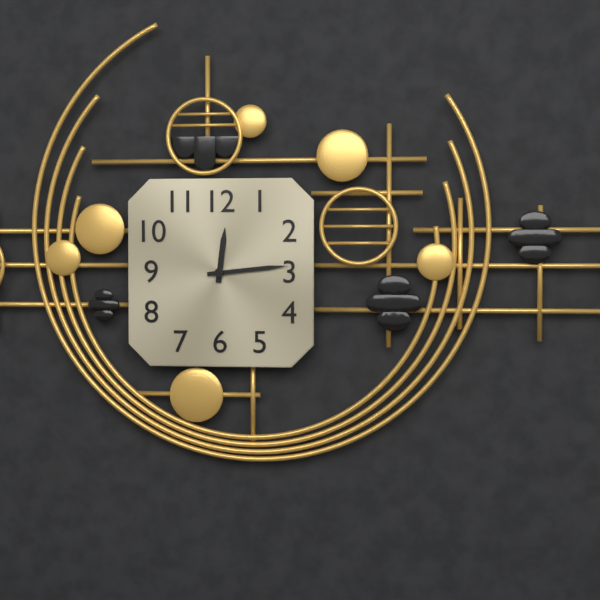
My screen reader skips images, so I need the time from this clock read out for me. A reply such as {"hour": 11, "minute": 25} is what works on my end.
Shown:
{"hour": 12, "minute": 14}
